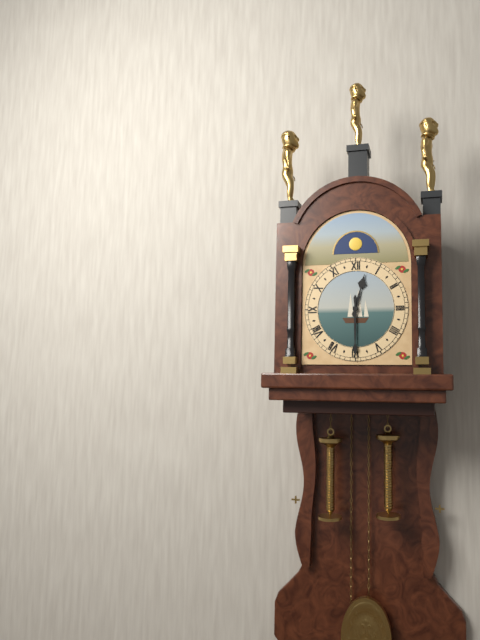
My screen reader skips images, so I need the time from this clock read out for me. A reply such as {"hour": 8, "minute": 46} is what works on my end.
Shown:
{"hour": 12, "minute": 30}
